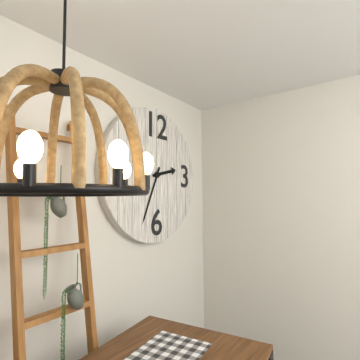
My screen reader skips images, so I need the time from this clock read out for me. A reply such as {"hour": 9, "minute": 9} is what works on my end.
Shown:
{"hour": 2, "minute": 34}
